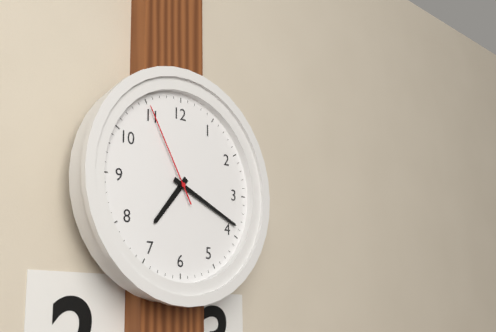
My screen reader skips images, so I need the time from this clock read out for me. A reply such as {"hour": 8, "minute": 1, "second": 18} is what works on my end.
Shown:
{"hour": 7, "minute": 19, "second": 55}
